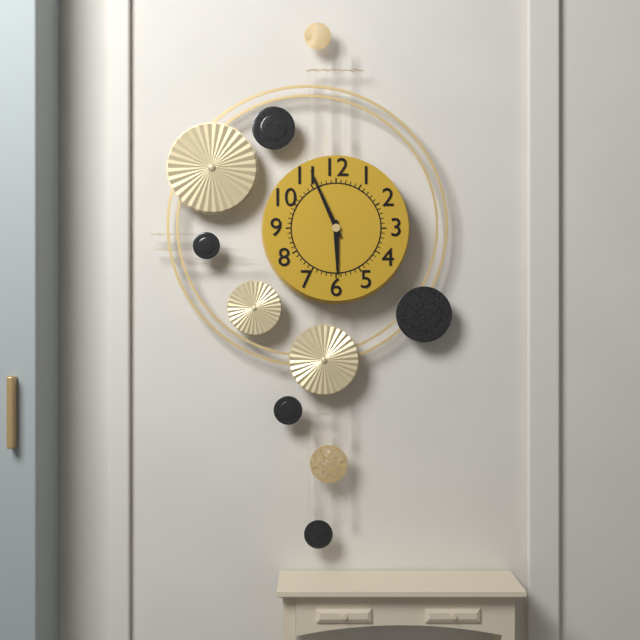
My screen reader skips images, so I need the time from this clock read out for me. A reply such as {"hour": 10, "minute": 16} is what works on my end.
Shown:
{"hour": 5, "minute": 56}
